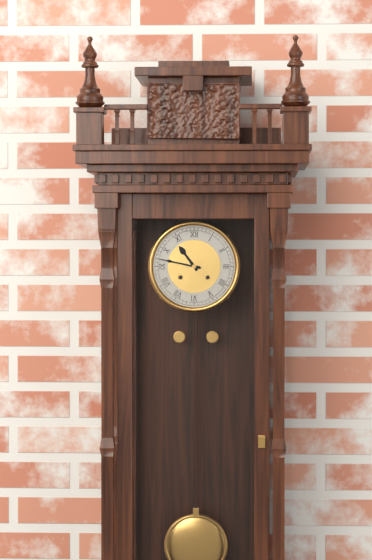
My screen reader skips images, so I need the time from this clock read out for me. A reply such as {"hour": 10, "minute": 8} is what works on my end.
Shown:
{"hour": 10, "minute": 47}
